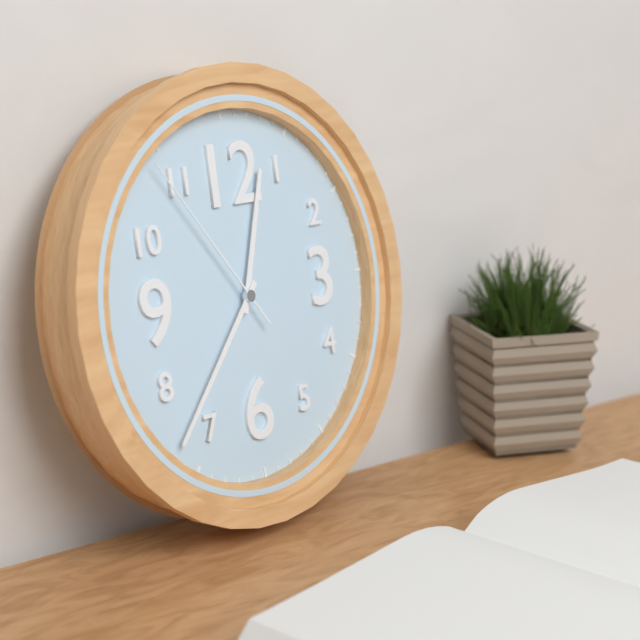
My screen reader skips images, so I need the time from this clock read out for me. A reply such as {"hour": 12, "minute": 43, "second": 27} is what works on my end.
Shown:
{"hour": 12, "minute": 37, "second": 54}
